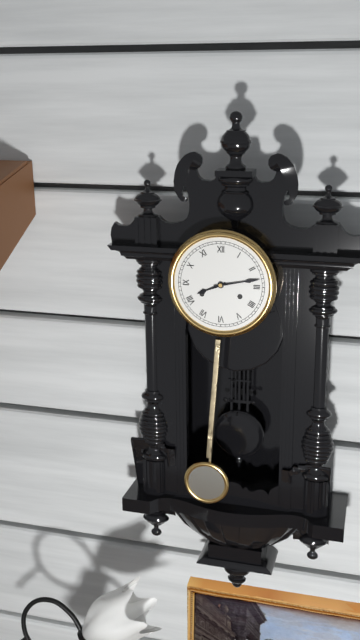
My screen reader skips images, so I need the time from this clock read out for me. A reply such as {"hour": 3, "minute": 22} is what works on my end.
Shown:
{"hour": 8, "minute": 13}
